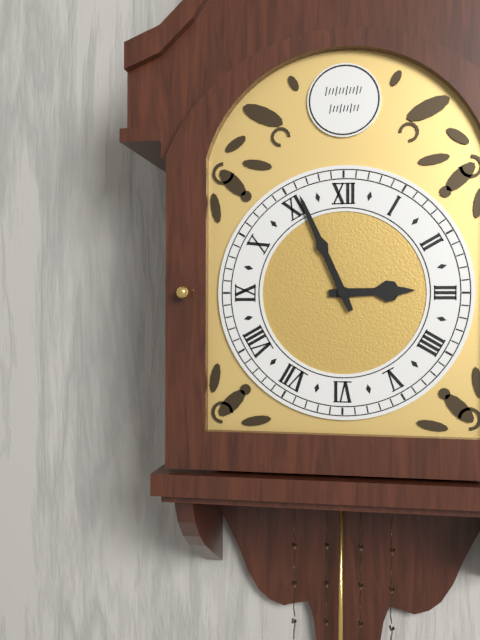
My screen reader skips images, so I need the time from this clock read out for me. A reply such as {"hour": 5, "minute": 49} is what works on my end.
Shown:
{"hour": 2, "minute": 56}
